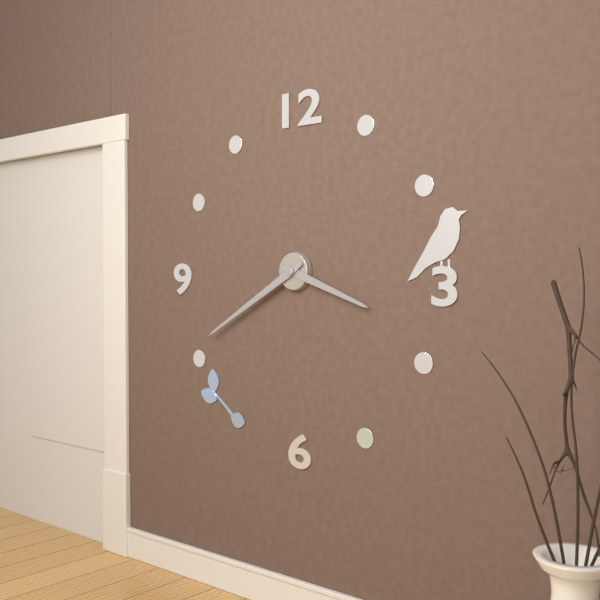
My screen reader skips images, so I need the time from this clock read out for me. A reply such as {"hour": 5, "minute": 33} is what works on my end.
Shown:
{"hour": 3, "minute": 40}
